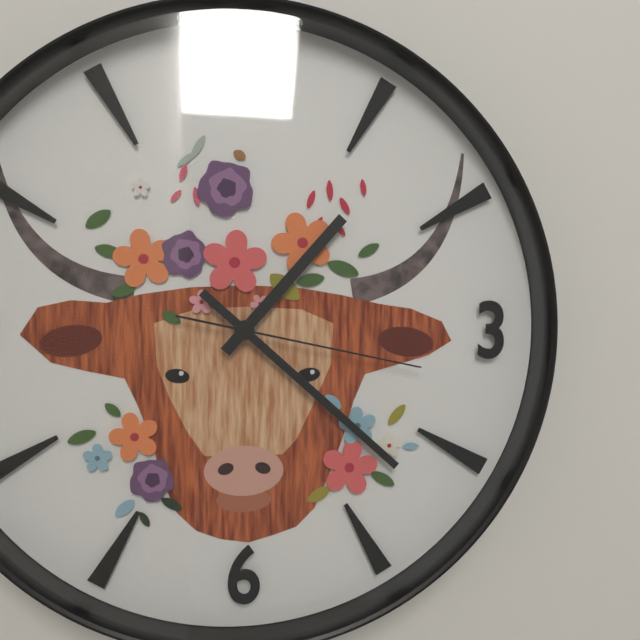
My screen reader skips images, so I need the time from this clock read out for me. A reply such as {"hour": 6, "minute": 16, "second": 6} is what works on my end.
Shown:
{"hour": 1, "minute": 22, "second": 17}
